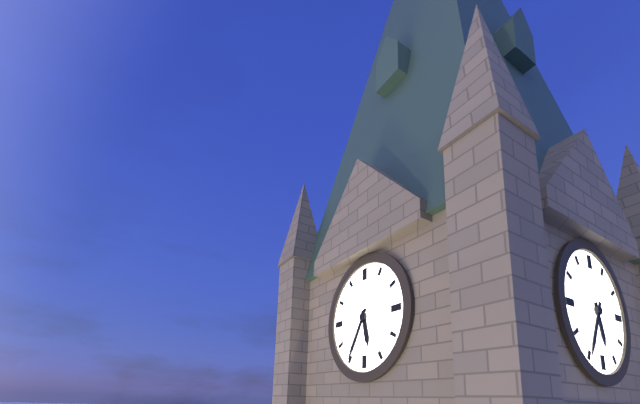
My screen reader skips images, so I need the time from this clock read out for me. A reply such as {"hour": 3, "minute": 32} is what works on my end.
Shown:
{"hour": 5, "minute": 35}
